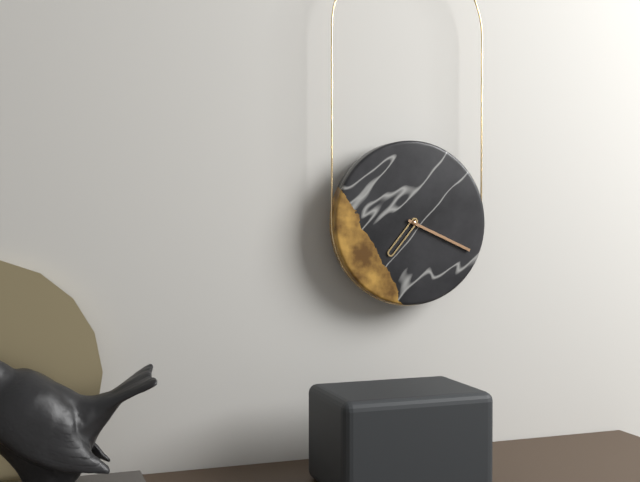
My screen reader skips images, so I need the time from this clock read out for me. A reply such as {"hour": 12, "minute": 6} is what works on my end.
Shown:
{"hour": 7, "minute": 19}
